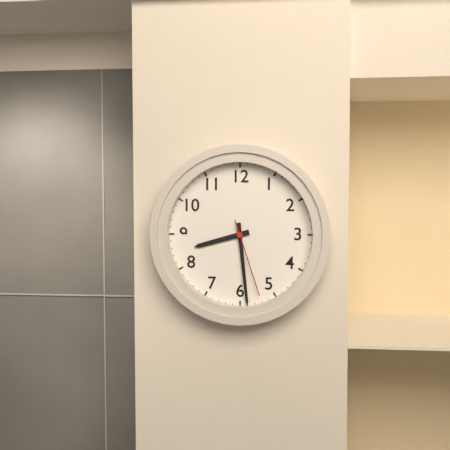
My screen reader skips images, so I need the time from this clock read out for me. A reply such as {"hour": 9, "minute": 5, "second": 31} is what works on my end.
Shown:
{"hour": 8, "minute": 29, "second": 27}
